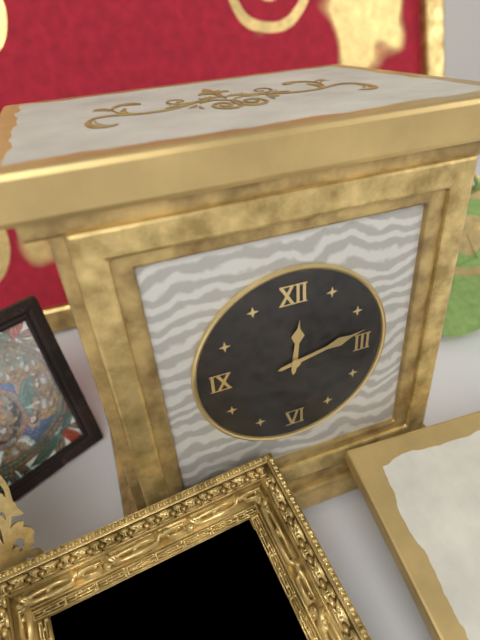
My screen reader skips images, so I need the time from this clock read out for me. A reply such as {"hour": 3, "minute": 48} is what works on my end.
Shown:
{"hour": 12, "minute": 13}
